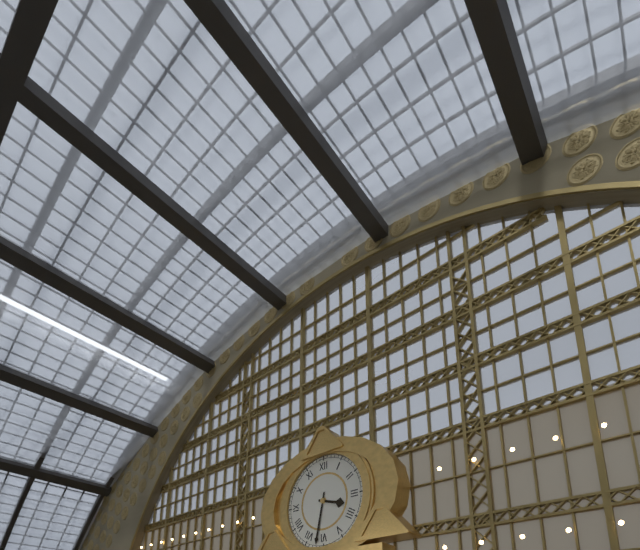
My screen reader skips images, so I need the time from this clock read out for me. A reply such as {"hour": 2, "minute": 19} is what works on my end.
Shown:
{"hour": 3, "minute": 32}
